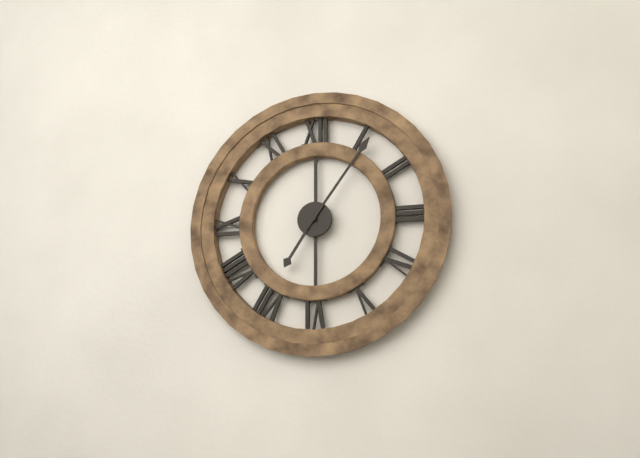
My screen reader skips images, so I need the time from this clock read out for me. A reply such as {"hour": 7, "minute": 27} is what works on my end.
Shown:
{"hour": 7, "minute": 6}
